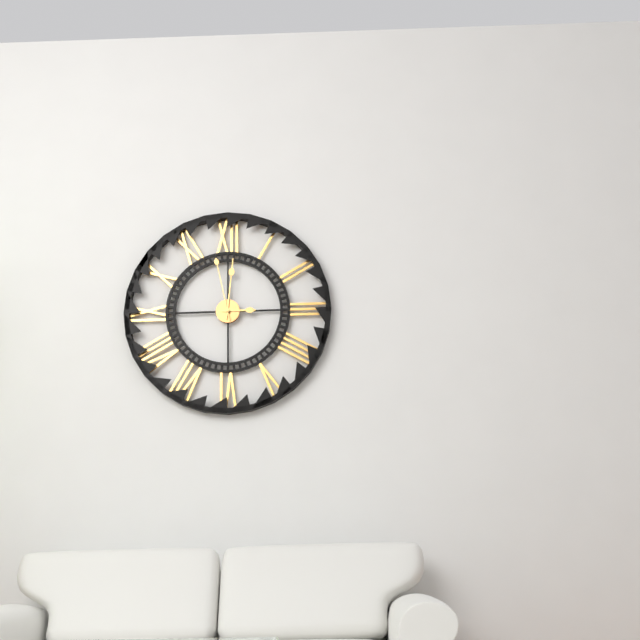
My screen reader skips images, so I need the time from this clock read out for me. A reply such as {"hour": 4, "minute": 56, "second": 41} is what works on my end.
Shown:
{"hour": 3, "minute": 1, "second": 58}
